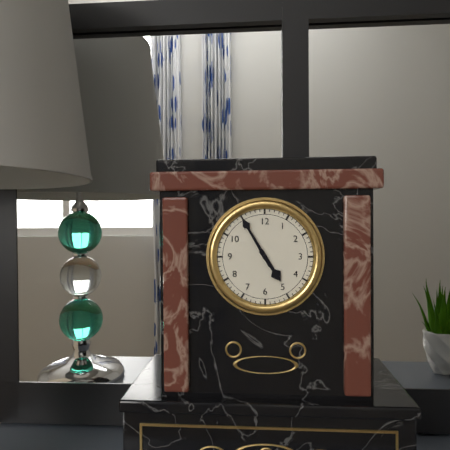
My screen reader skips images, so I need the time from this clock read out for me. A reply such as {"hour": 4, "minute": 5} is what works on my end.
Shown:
{"hour": 4, "minute": 55}
